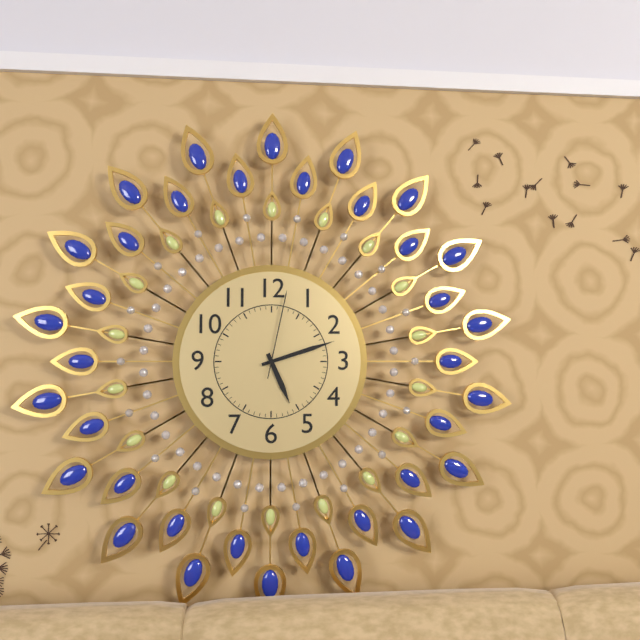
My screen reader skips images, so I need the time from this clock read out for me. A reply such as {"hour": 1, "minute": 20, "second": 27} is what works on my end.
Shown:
{"hour": 5, "minute": 12, "second": 2}
